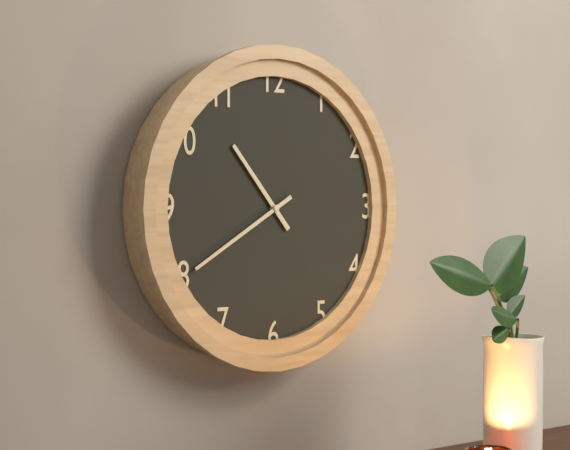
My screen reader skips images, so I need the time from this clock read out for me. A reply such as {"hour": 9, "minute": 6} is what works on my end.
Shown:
{"hour": 10, "minute": 40}
